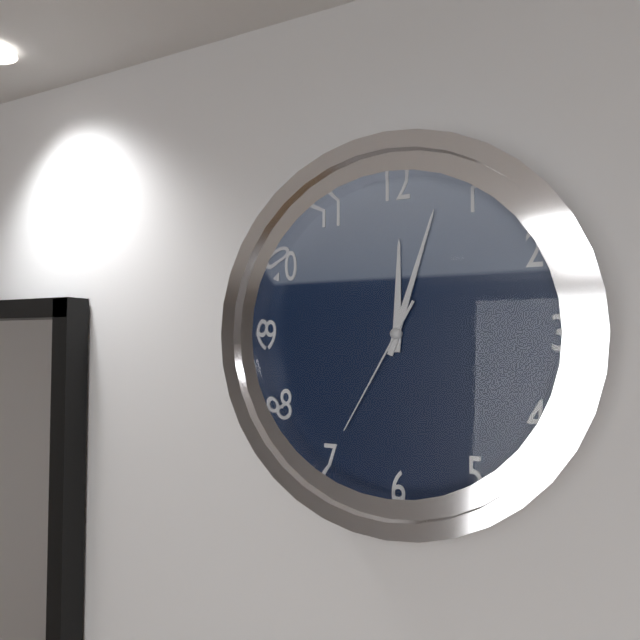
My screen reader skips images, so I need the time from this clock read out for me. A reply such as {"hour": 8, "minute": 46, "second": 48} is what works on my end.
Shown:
{"hour": 12, "minute": 3, "second": 35}
